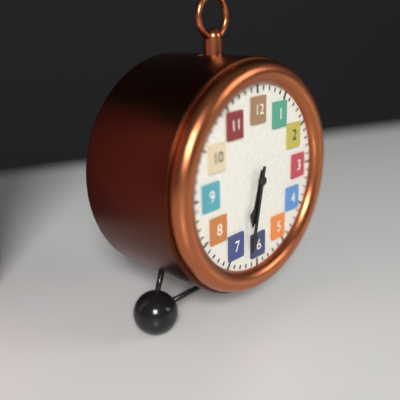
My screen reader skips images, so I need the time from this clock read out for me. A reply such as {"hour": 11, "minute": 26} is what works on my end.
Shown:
{"hour": 6, "minute": 32}
